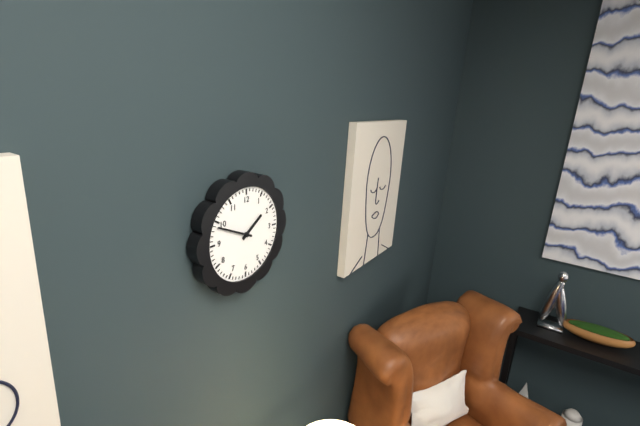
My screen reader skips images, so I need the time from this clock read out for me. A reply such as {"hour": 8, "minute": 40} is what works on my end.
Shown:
{"hour": 1, "minute": 49}
